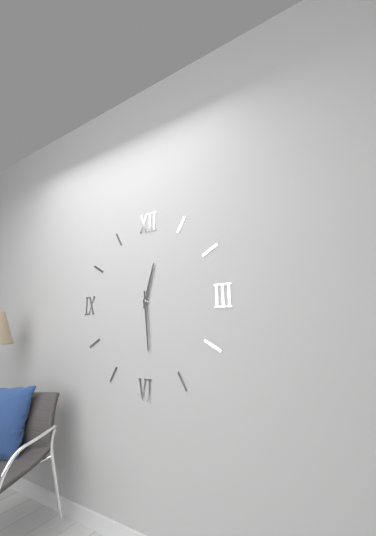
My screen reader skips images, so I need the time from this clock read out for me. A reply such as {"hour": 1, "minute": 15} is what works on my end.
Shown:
{"hour": 12, "minute": 29}
